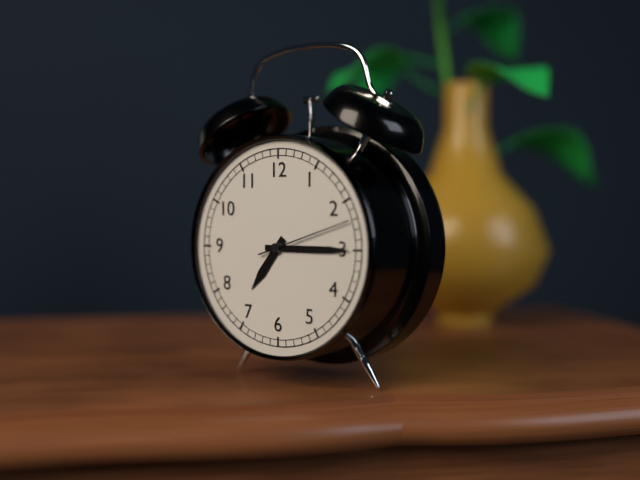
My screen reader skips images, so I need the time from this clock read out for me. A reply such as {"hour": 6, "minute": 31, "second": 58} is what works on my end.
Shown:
{"hour": 7, "minute": 15, "second": 12}
